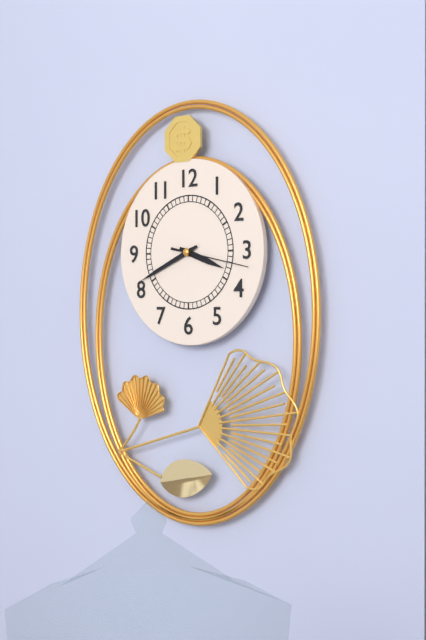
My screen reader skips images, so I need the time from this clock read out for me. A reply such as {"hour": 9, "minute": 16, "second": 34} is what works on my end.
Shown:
{"hour": 3, "minute": 41, "second": 17}
